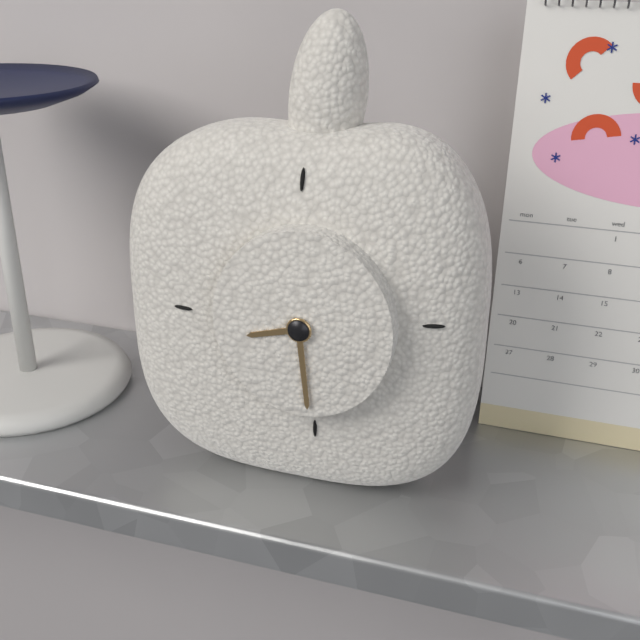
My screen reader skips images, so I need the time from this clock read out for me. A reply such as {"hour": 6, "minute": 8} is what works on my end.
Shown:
{"hour": 8, "minute": 29}
